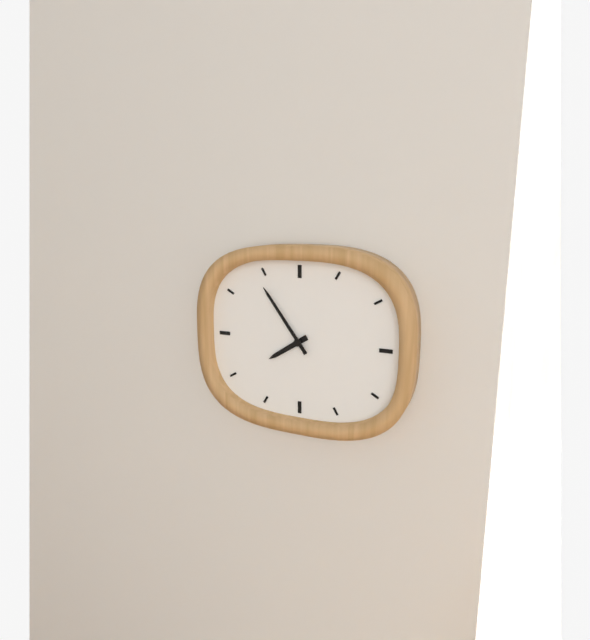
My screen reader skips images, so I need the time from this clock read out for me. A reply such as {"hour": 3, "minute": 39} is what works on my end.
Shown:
{"hour": 7, "minute": 54}
